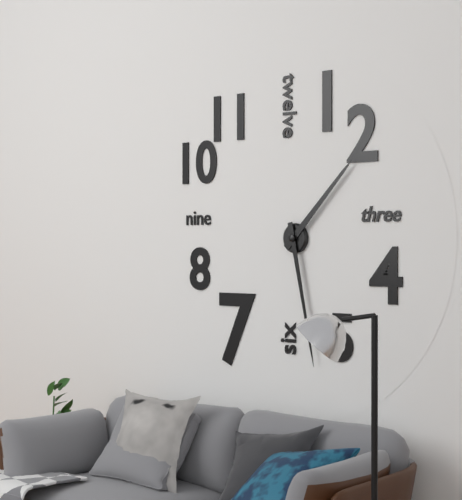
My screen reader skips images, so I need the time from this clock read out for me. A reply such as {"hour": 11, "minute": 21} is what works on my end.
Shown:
{"hour": 1, "minute": 28}
